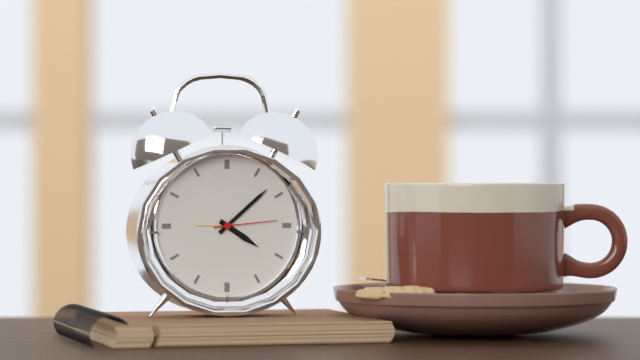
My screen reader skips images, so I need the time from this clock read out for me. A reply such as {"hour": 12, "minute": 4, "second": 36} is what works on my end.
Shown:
{"hour": 4, "minute": 8, "second": 14}
